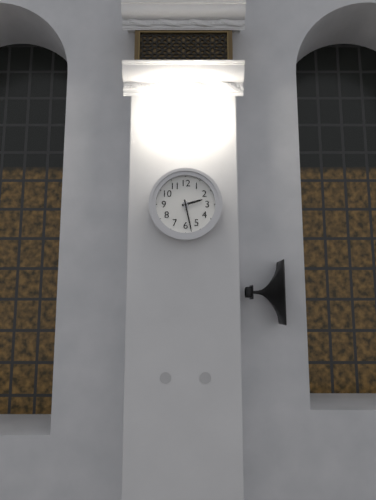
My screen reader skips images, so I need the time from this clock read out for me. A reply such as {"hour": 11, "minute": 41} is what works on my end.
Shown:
{"hour": 2, "minute": 28}
